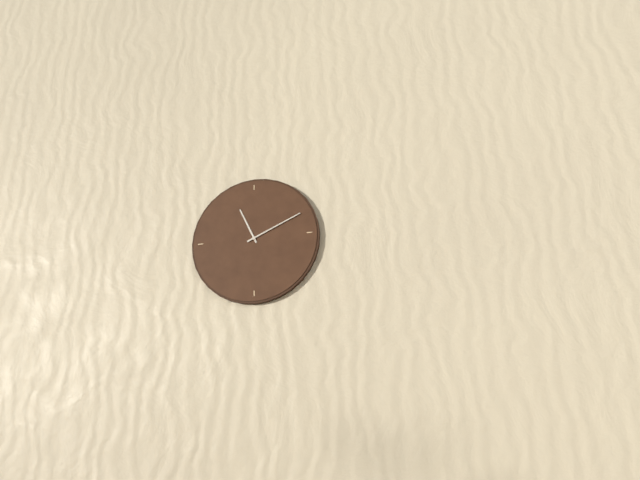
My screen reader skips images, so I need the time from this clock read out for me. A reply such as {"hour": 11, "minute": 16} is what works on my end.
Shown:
{"hour": 11, "minute": 11}
